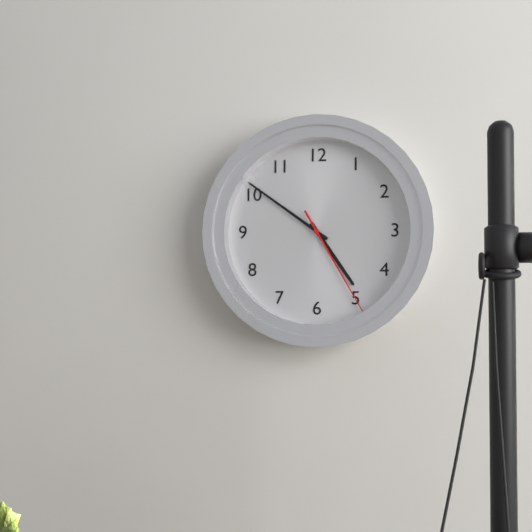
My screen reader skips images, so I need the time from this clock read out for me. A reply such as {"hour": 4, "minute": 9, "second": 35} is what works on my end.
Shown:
{"hour": 4, "minute": 51, "second": 25}
